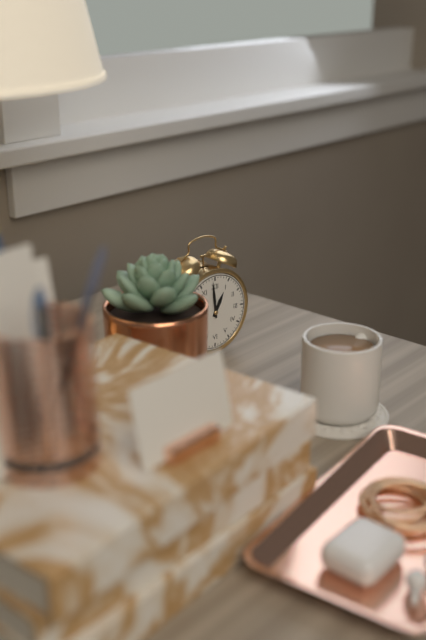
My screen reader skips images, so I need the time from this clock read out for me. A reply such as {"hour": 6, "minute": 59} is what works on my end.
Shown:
{"hour": 12, "minute": 59}
